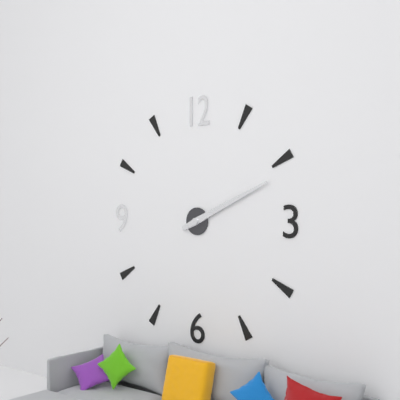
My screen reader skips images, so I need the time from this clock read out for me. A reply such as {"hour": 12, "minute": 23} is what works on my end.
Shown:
{"hour": 2, "minute": 11}
